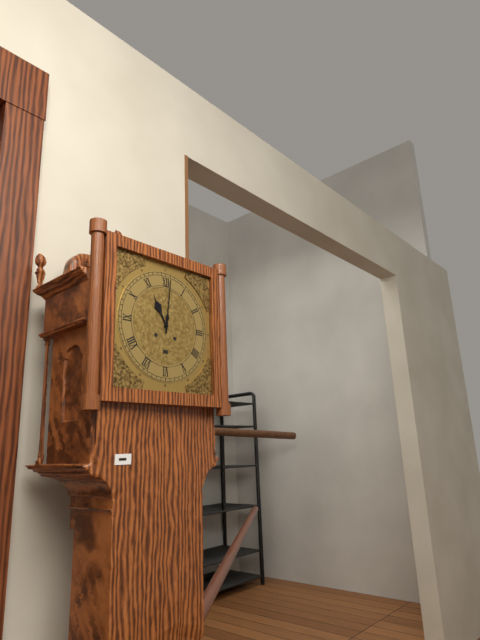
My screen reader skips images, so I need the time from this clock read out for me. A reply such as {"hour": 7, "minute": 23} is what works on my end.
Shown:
{"hour": 11, "minute": 1}
